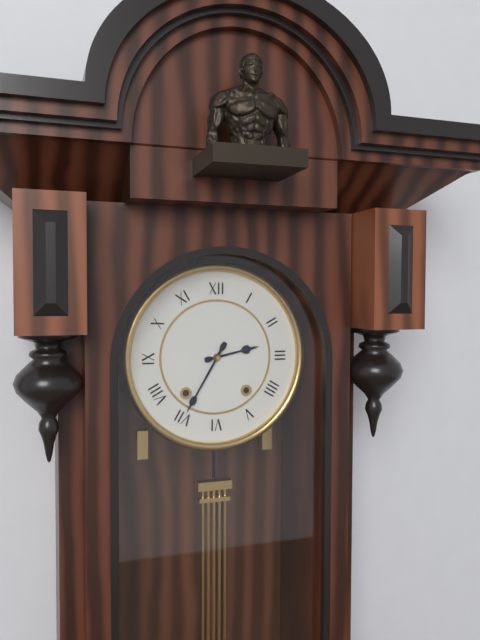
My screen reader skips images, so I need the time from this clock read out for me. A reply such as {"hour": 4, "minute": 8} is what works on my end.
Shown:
{"hour": 2, "minute": 35}
